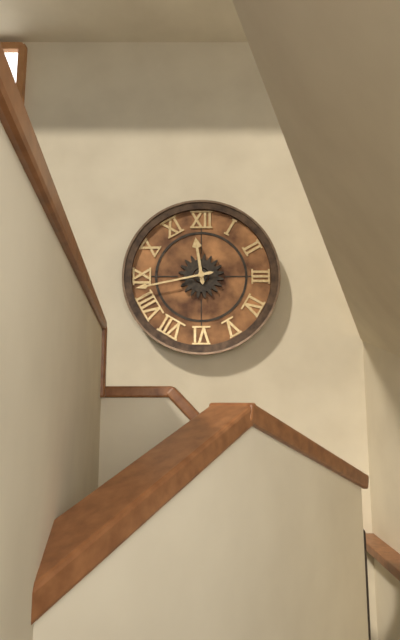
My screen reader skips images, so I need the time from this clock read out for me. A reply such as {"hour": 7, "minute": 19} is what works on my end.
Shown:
{"hour": 11, "minute": 43}
